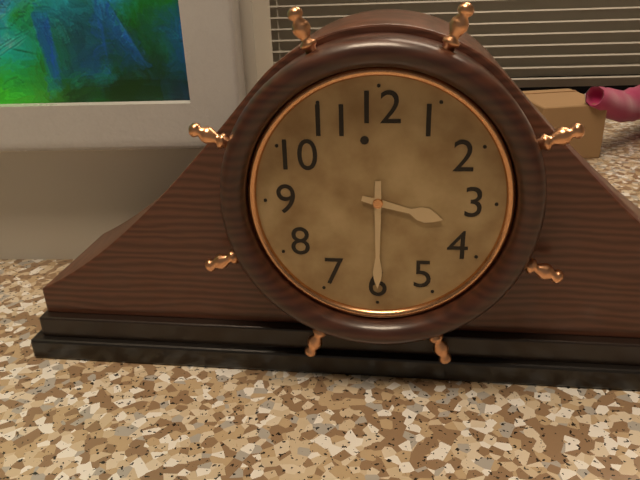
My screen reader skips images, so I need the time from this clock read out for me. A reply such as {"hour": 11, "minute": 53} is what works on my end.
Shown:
{"hour": 3, "minute": 30}
